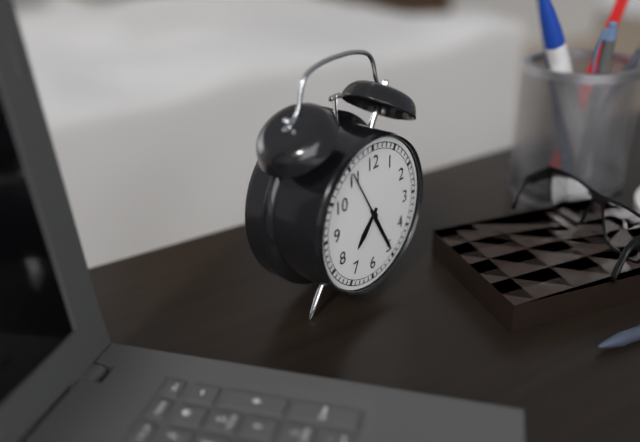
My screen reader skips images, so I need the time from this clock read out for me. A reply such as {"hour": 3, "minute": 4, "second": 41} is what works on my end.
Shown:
{"hour": 7, "minute": 25, "second": 55}
